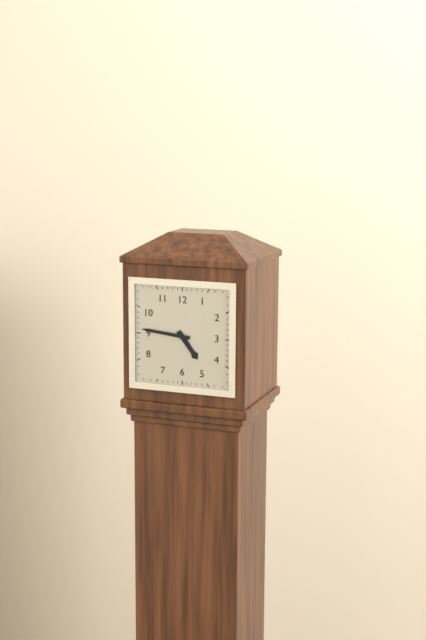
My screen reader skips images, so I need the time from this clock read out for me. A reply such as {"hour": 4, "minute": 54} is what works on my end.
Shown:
{"hour": 4, "minute": 46}
